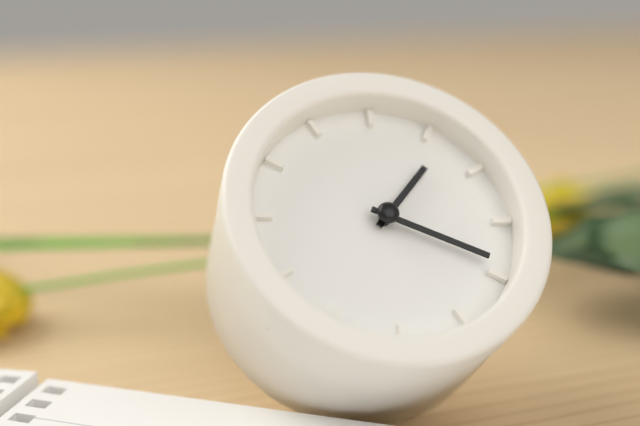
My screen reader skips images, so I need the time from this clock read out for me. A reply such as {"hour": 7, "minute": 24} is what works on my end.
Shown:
{"hour": 1, "minute": 19}
